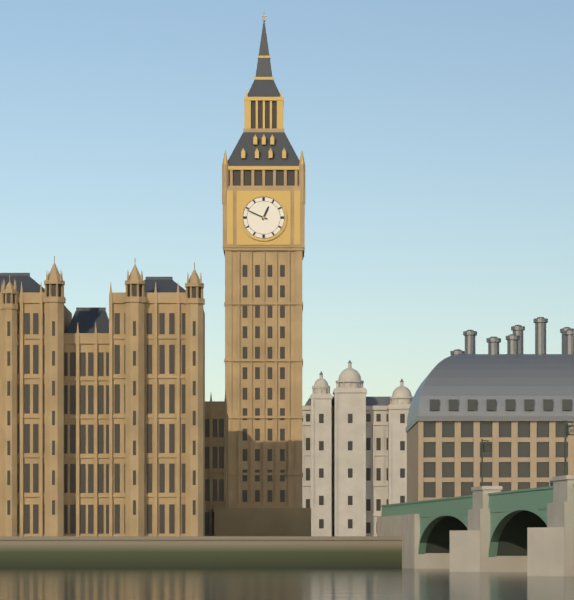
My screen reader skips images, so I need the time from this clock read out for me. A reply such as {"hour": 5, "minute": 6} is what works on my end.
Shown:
{"hour": 12, "minute": 49}
